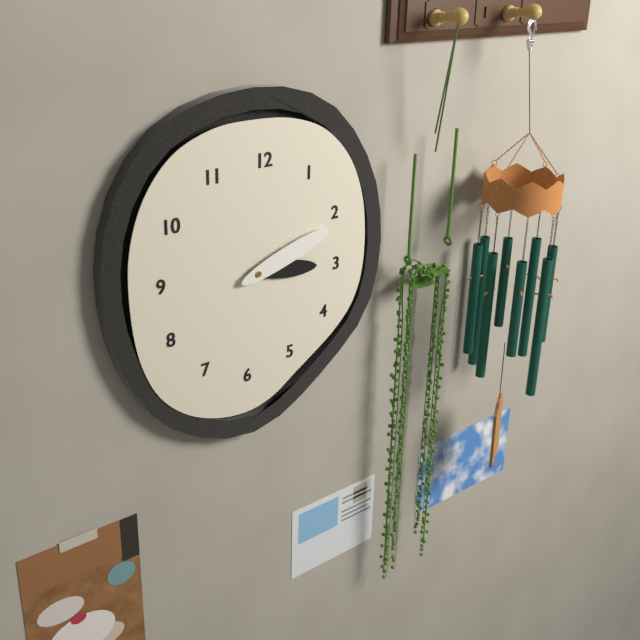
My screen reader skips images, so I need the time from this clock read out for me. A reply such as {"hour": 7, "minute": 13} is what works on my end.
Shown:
{"hour": 3, "minute": 12}
